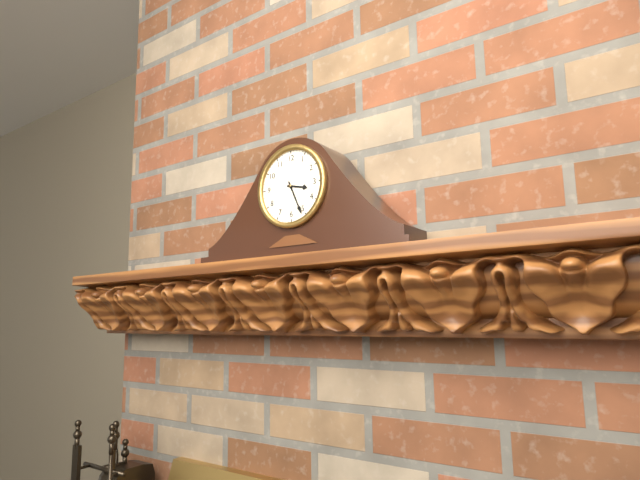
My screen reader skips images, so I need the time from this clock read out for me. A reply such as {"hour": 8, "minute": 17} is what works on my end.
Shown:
{"hour": 3, "minute": 26}
